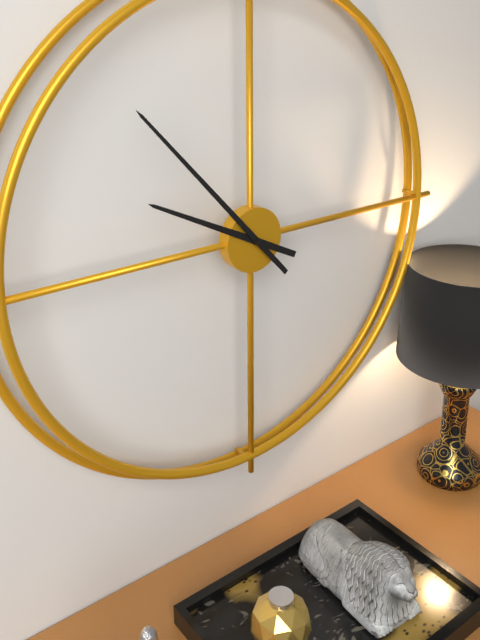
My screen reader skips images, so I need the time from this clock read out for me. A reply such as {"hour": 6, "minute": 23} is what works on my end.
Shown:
{"hour": 9, "minute": 53}
